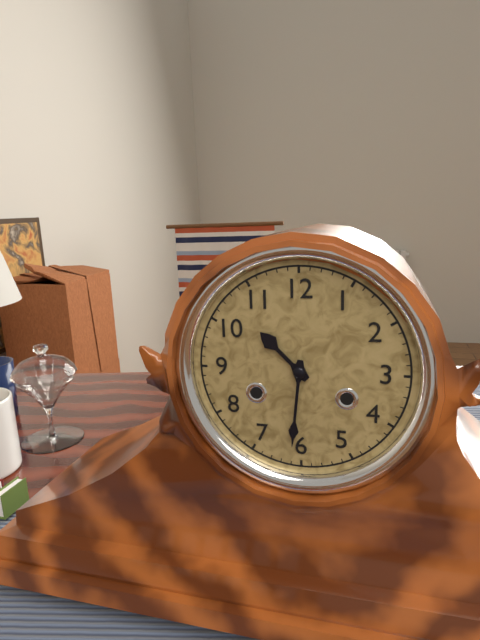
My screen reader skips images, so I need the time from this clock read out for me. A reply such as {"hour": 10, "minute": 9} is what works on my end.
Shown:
{"hour": 10, "minute": 31}
